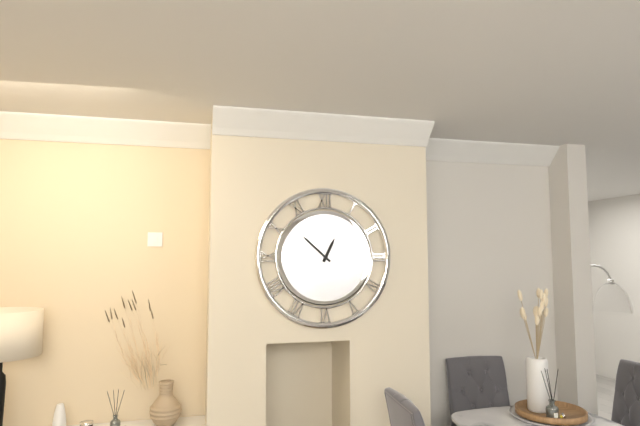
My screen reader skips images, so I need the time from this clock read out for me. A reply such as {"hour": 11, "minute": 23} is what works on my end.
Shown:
{"hour": 12, "minute": 52}
